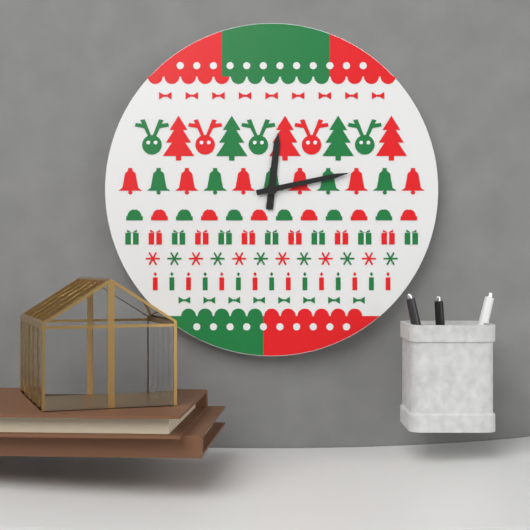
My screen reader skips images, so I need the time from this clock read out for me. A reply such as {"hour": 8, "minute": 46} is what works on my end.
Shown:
{"hour": 12, "minute": 13}
